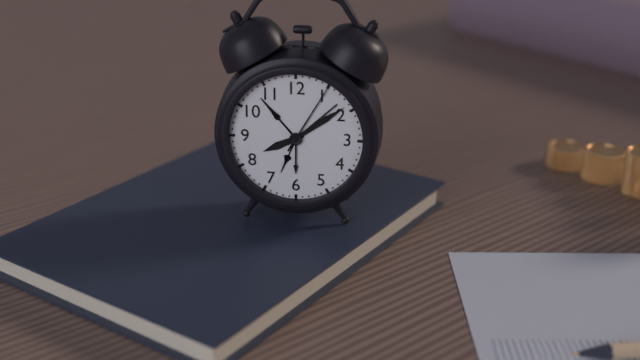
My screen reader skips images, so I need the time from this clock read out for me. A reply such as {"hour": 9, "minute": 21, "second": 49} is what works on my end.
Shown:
{"hour": 8, "minute": 9, "second": 5}
